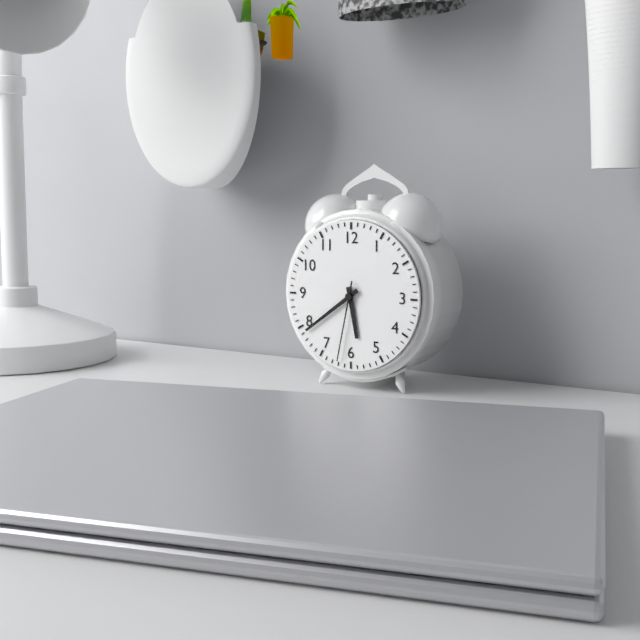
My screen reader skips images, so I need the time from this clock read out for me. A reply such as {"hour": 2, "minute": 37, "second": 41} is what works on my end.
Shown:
{"hour": 5, "minute": 39, "second": 32}
